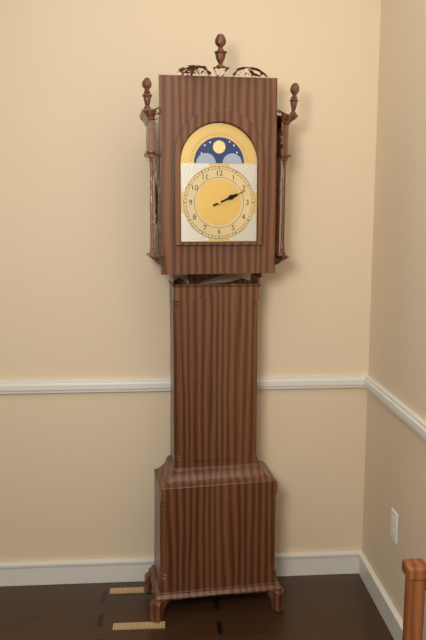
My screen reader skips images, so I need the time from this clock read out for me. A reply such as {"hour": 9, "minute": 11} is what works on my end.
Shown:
{"hour": 2, "minute": 11}
